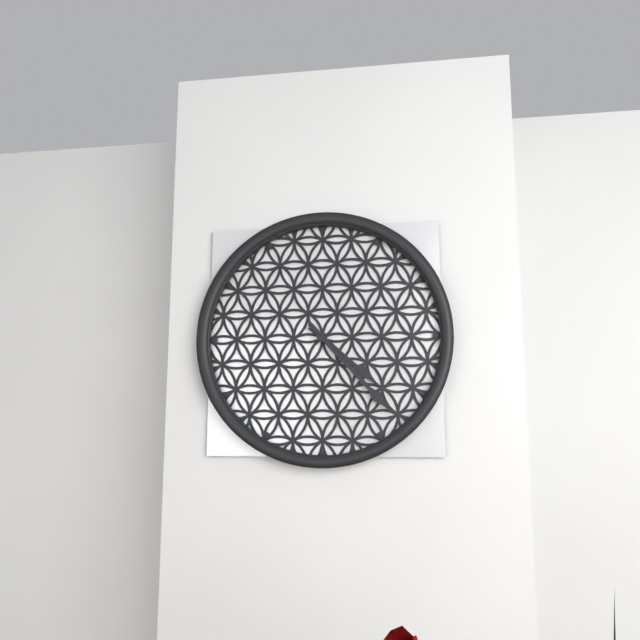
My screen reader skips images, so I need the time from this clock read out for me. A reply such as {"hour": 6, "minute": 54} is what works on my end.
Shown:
{"hour": 4, "minute": 23}
